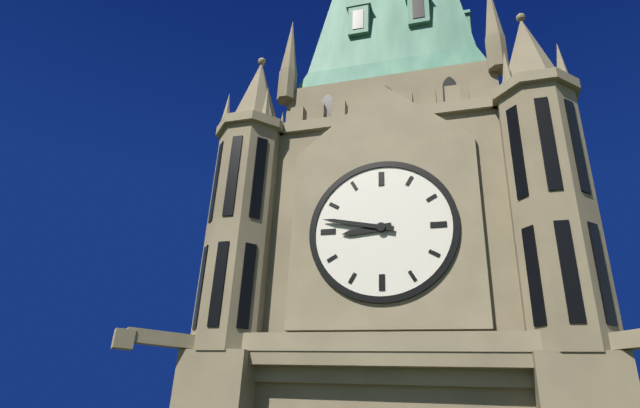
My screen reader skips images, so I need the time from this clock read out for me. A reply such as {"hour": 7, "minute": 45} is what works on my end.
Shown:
{"hour": 8, "minute": 47}
